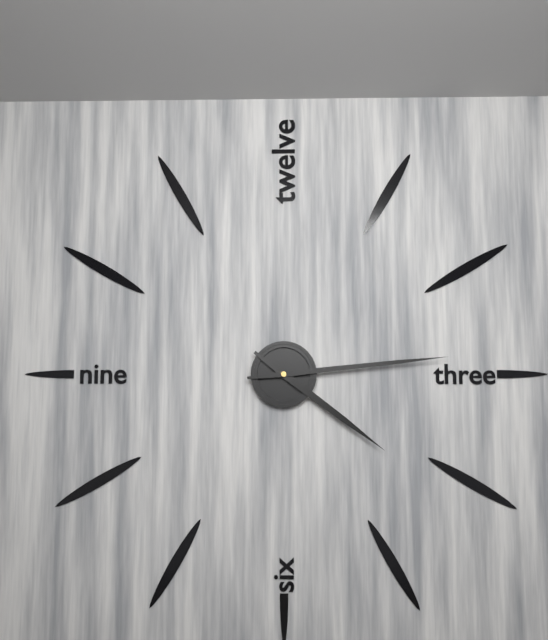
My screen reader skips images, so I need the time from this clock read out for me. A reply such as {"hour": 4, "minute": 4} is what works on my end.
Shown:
{"hour": 4, "minute": 14}
